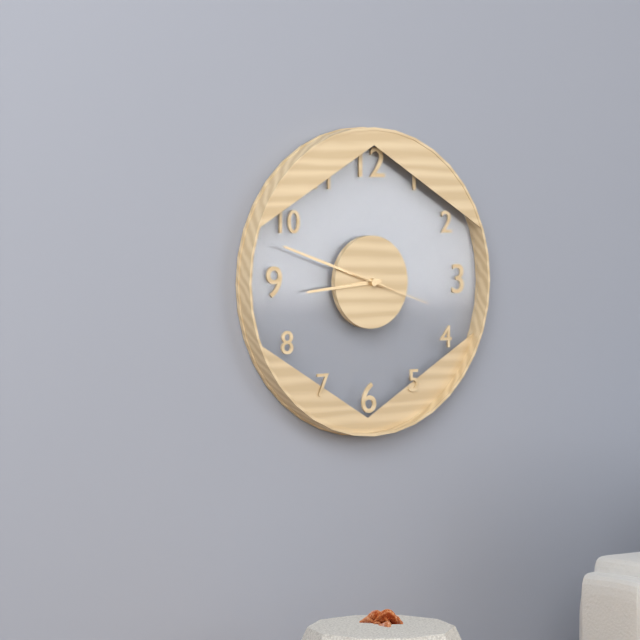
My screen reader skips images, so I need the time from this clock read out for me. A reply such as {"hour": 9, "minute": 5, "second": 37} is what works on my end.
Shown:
{"hour": 8, "minute": 48, "second": 18}
